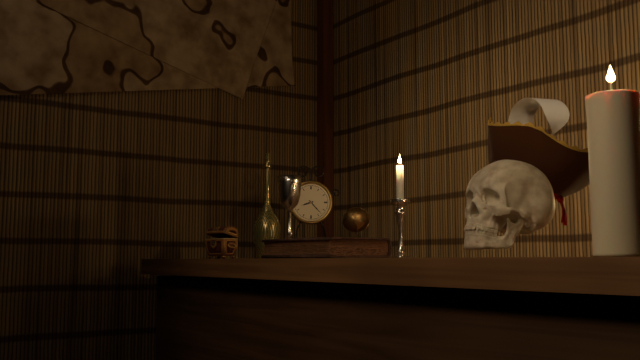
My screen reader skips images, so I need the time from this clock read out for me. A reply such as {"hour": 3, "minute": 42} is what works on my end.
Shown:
{"hour": 8, "minute": 23}
